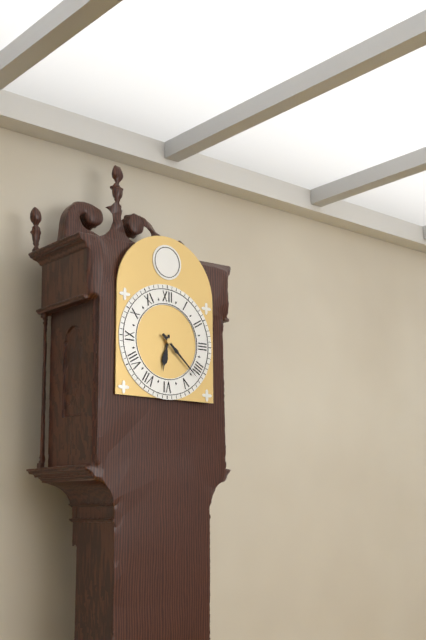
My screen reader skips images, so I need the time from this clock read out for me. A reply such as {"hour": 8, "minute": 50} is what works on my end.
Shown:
{"hour": 6, "minute": 22}
